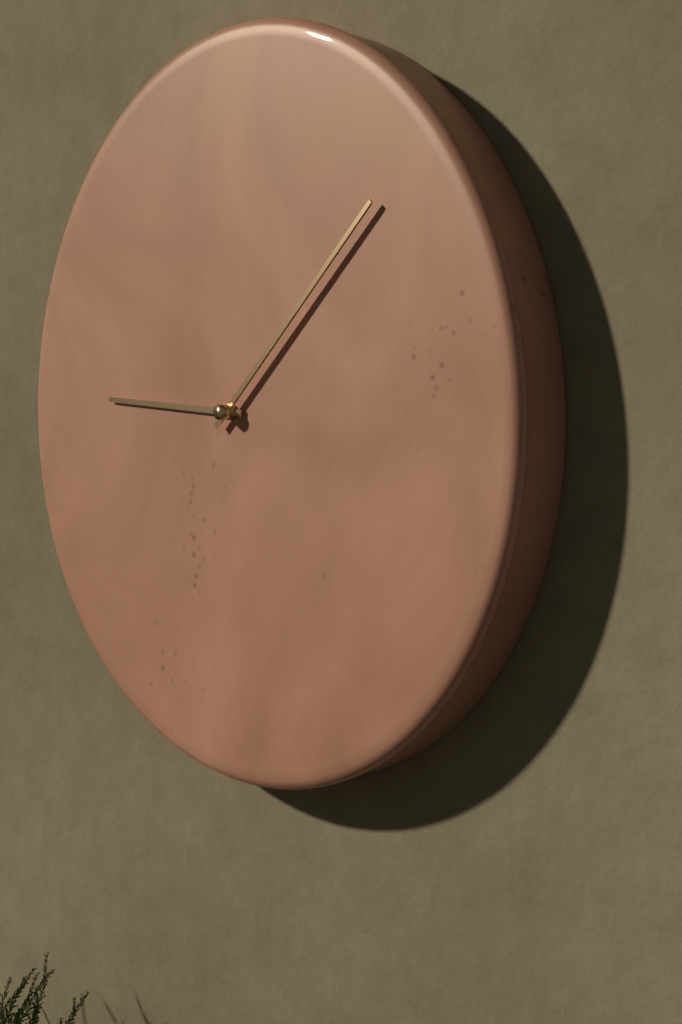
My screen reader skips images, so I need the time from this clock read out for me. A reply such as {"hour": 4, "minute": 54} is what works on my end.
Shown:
{"hour": 9, "minute": 8}
